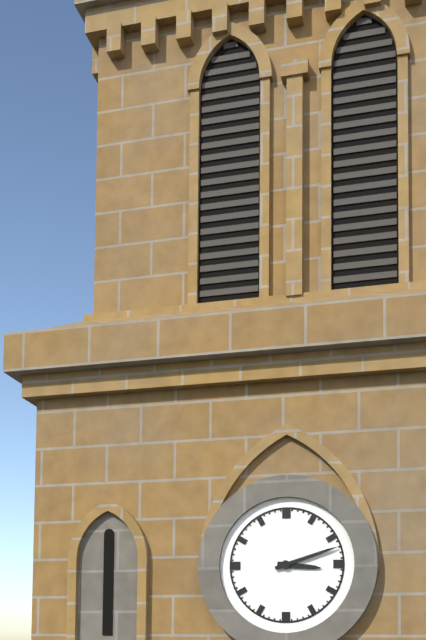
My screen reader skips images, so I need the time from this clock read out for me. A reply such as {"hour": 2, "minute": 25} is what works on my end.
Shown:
{"hour": 3, "minute": 12}
